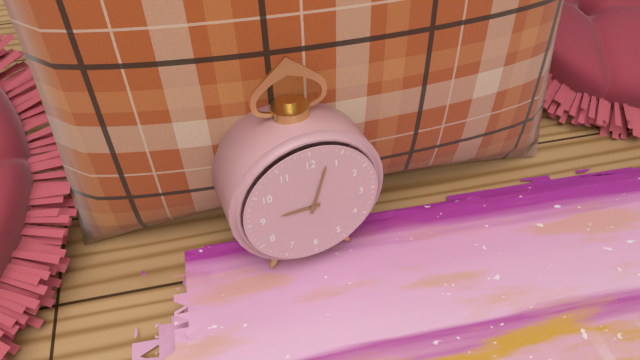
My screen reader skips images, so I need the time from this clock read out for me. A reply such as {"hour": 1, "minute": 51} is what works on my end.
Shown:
{"hour": 9, "minute": 3}
